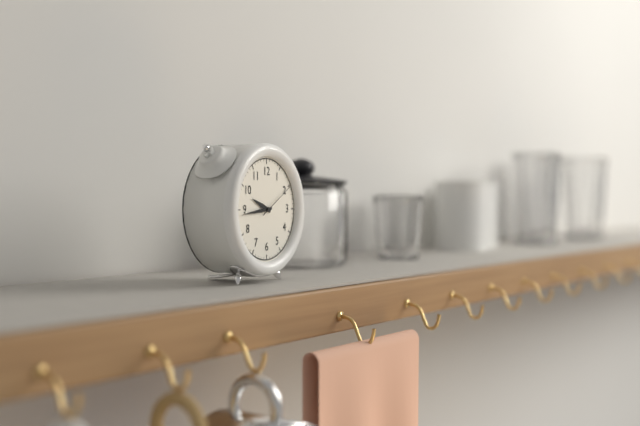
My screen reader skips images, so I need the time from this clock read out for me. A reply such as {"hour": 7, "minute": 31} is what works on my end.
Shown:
{"hour": 9, "minute": 44}
